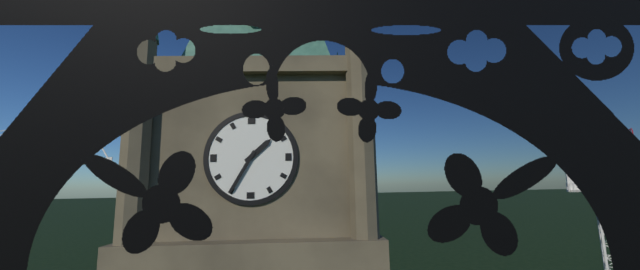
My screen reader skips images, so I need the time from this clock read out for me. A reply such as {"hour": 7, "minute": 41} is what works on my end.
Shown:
{"hour": 1, "minute": 35}
